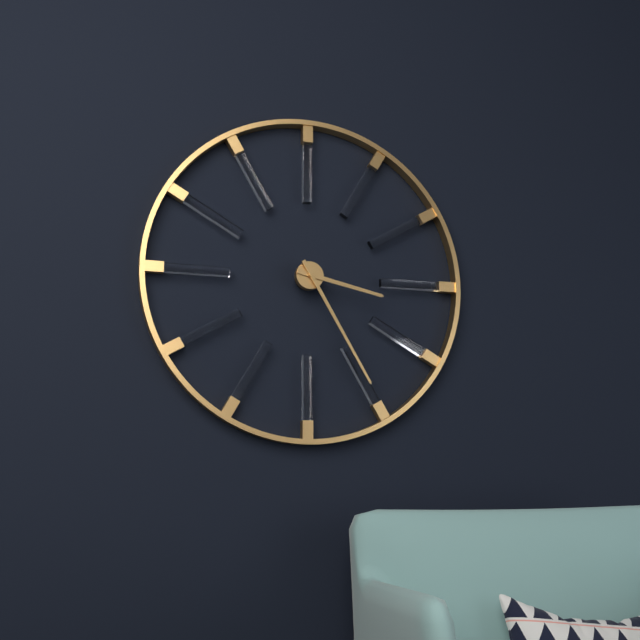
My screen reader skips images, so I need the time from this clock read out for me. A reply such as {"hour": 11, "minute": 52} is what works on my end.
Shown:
{"hour": 3, "minute": 25}
